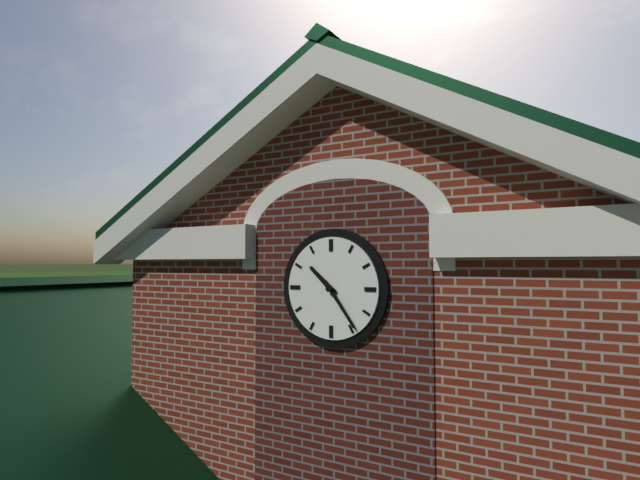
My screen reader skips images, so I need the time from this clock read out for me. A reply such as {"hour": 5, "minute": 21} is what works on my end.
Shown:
{"hour": 10, "minute": 24}
